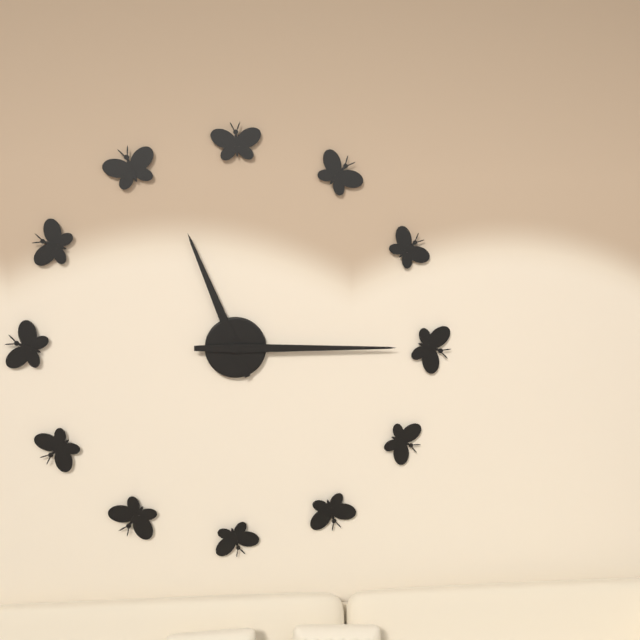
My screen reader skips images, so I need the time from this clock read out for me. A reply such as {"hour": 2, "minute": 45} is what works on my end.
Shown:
{"hour": 11, "minute": 15}
